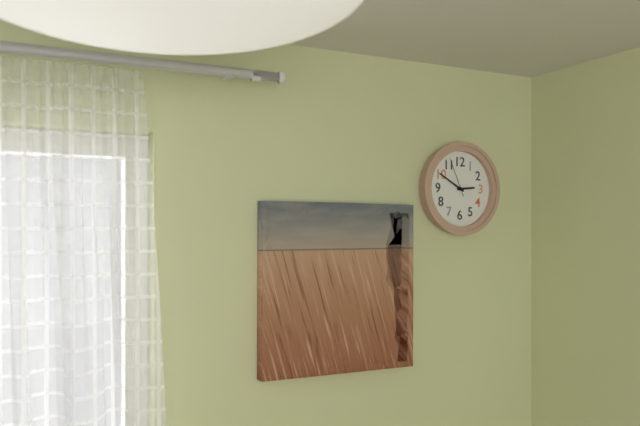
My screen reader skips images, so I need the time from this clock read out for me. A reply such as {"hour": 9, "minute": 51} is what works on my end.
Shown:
{"hour": 2, "minute": 50}
